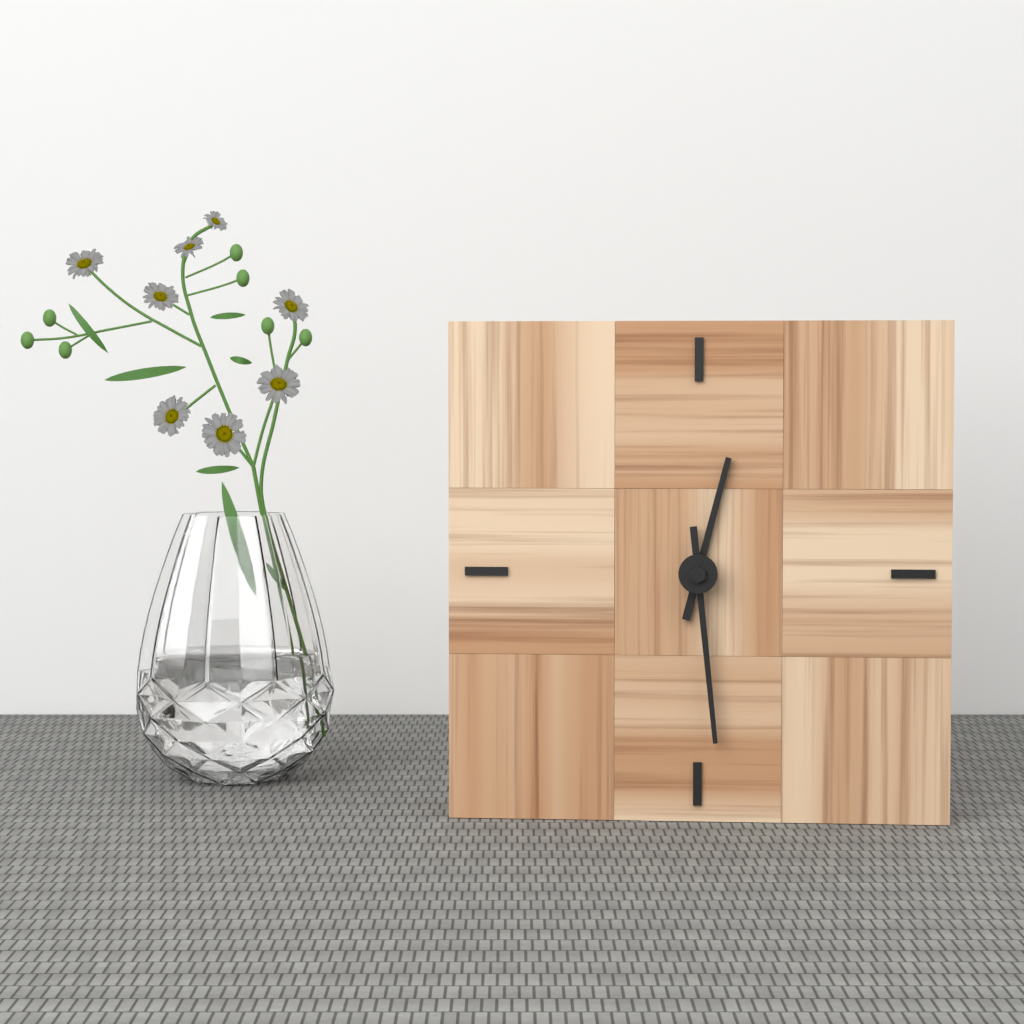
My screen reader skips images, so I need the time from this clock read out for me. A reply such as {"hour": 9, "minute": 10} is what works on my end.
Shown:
{"hour": 12, "minute": 29}
